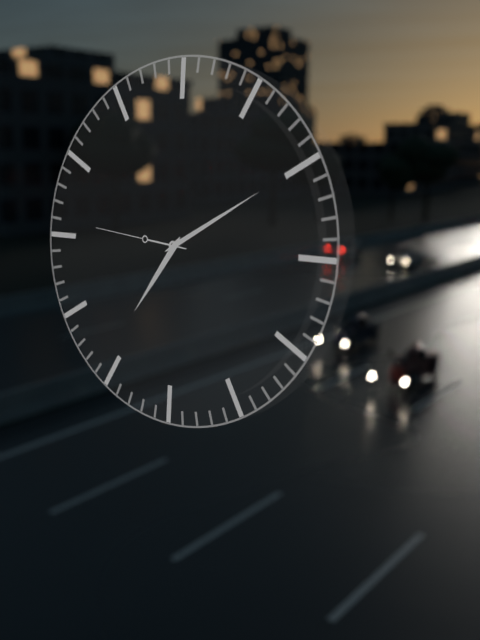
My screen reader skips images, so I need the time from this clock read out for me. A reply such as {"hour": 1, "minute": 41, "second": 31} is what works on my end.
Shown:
{"hour": 7, "minute": 10, "second": 46}
